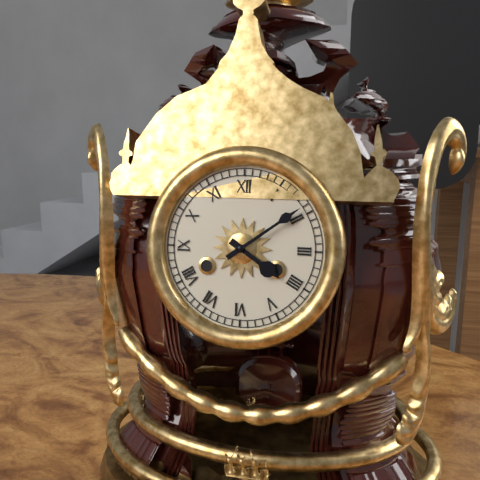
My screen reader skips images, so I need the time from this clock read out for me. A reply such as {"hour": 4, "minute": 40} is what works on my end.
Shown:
{"hour": 4, "minute": 9}
